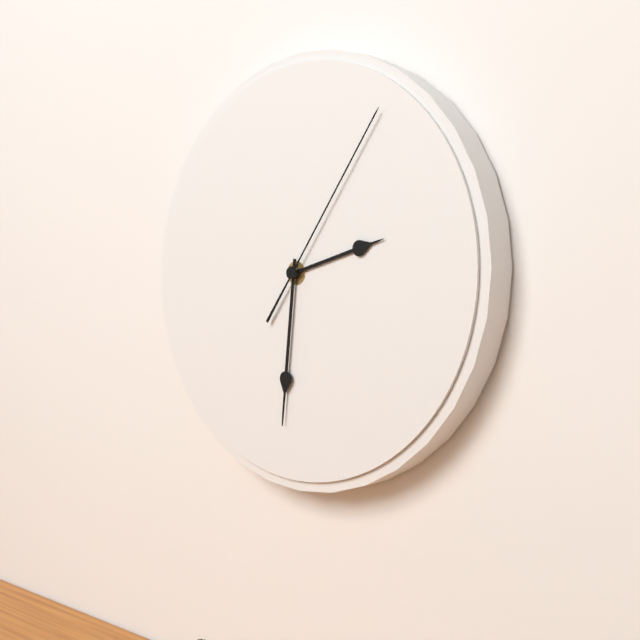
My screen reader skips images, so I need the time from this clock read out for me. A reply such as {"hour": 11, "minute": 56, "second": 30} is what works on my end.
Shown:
{"hour": 2, "minute": 31, "second": 6}
